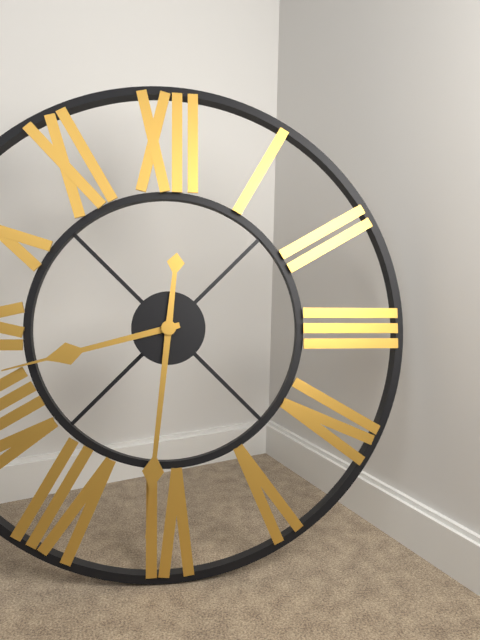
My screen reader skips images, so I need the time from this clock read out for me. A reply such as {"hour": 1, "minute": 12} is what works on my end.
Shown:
{"hour": 8, "minute": 31}
